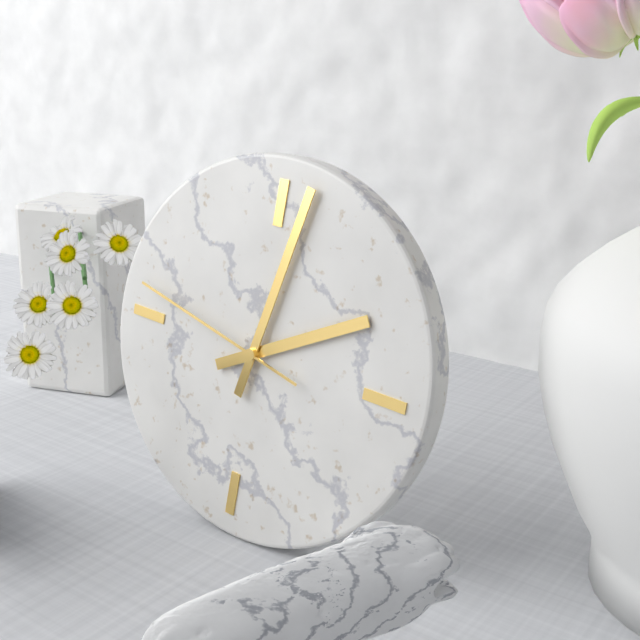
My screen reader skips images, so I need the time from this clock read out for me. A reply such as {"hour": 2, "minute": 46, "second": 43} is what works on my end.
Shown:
{"hour": 2, "minute": 2, "second": 47}
